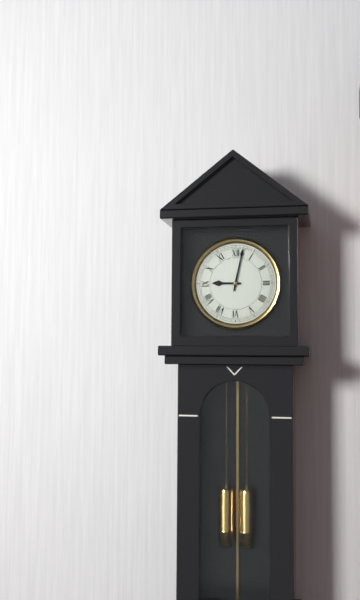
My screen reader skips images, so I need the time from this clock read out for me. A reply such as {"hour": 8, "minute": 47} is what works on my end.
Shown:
{"hour": 9, "minute": 2}
